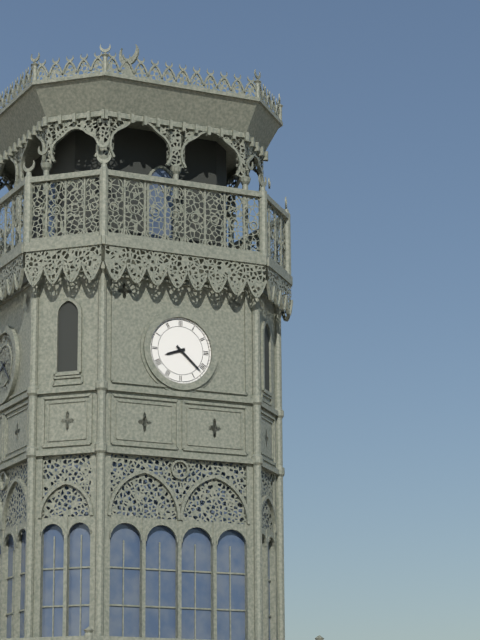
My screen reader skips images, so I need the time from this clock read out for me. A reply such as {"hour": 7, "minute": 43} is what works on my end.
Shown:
{"hour": 8, "minute": 22}
